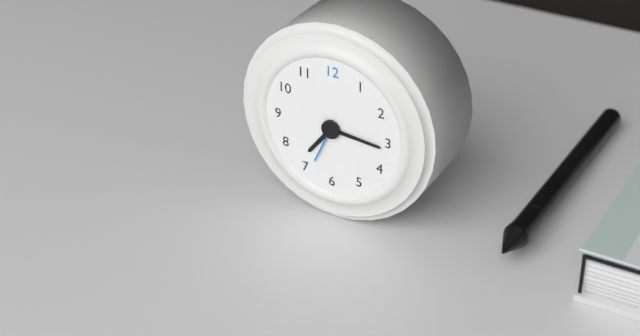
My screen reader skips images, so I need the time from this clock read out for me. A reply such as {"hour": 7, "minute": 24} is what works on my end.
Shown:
{"hour": 7, "minute": 16}
